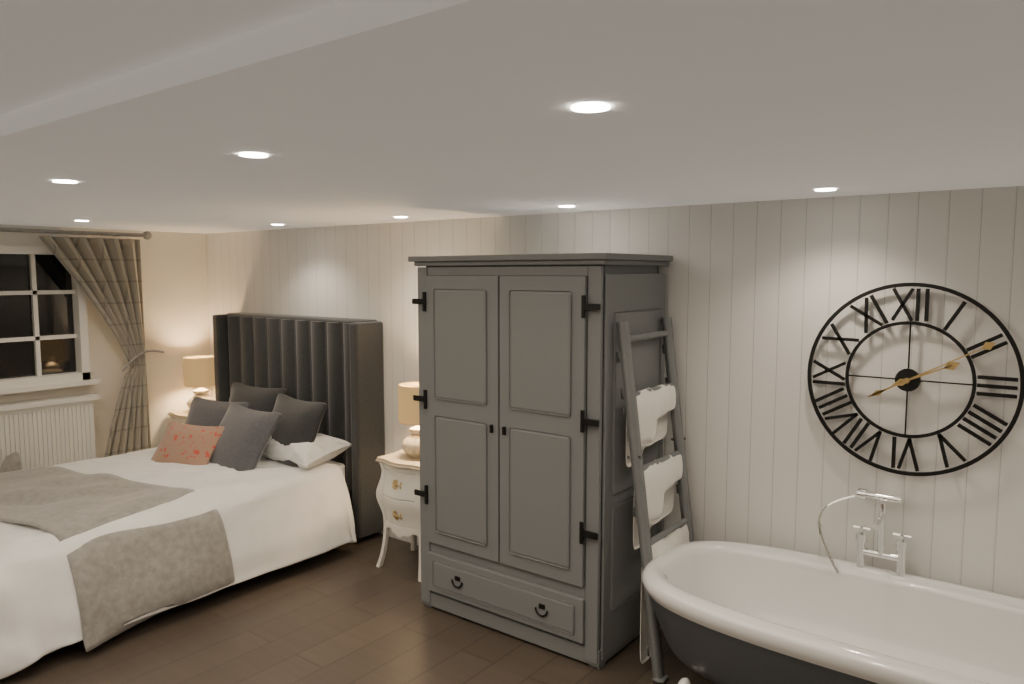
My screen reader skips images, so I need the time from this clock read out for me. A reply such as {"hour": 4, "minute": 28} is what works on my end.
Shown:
{"hour": 2, "minute": 10}
